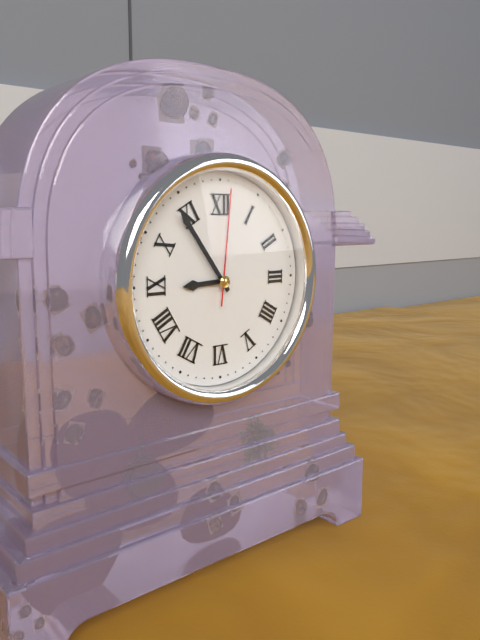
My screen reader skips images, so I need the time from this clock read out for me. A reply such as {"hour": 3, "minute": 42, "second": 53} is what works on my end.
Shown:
{"hour": 8, "minute": 54, "second": 1}
